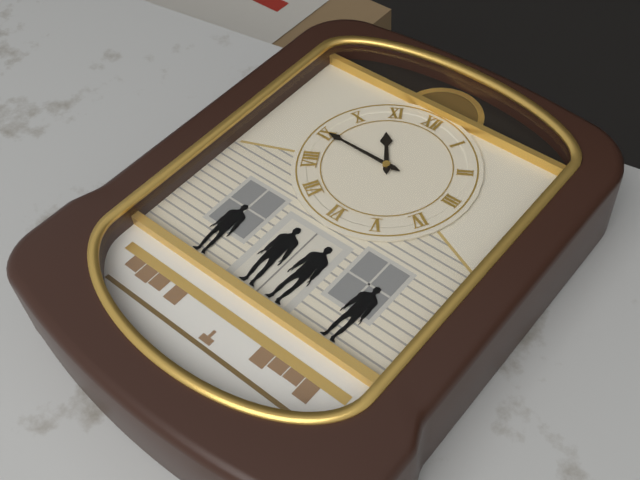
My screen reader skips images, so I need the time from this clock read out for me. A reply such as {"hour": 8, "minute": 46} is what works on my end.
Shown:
{"hour": 10, "minute": 45}
